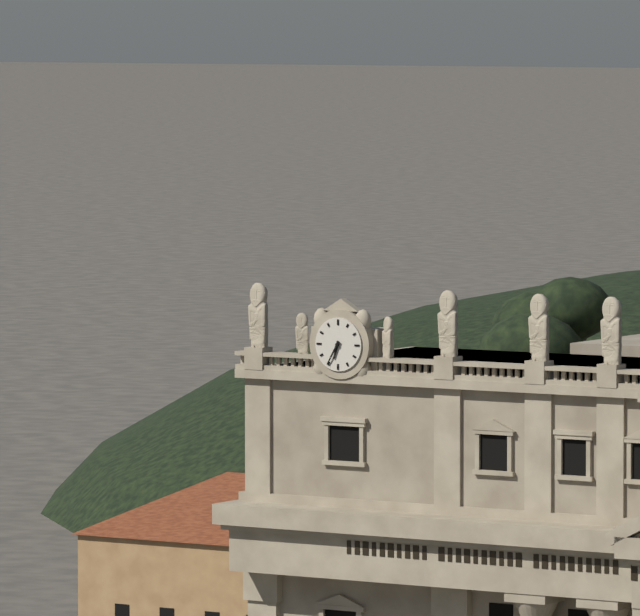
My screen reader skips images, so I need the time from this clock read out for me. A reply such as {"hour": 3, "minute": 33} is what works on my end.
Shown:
{"hour": 6, "minute": 35}
